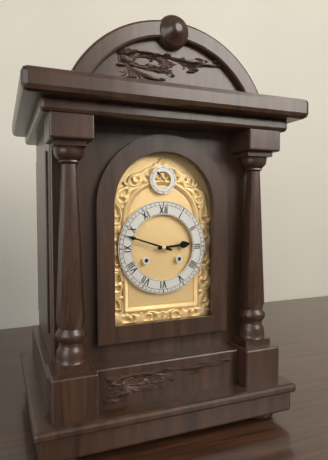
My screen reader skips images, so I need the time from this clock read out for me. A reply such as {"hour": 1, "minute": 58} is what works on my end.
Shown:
{"hour": 2, "minute": 48}
